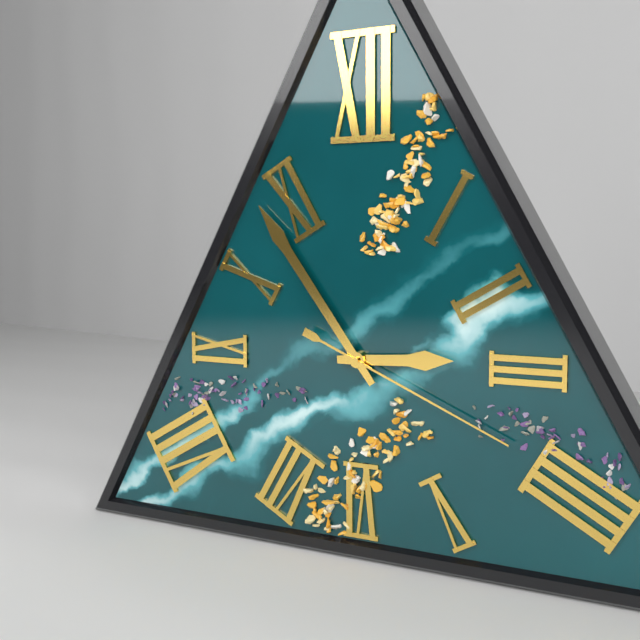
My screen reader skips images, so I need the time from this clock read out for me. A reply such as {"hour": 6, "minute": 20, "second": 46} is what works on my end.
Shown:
{"hour": 2, "minute": 54, "second": 19}
